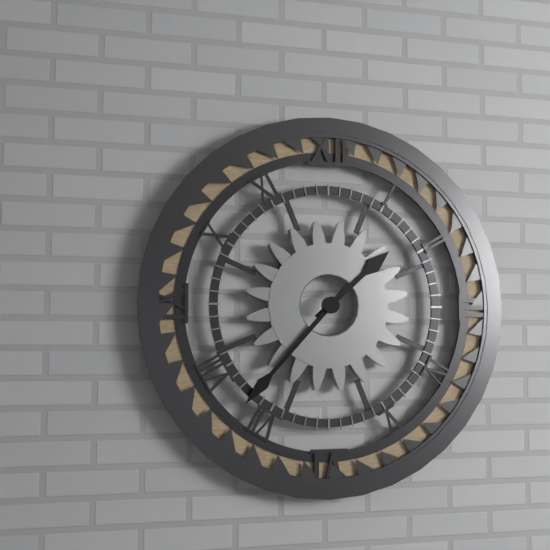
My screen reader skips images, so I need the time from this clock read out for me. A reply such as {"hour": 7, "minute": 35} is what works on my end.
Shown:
{"hour": 1, "minute": 37}
